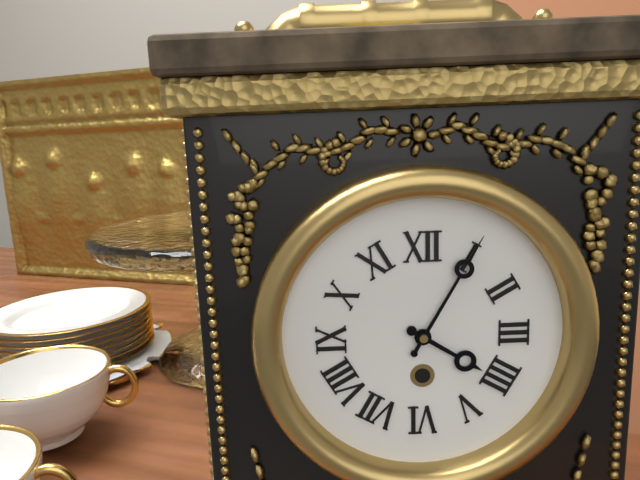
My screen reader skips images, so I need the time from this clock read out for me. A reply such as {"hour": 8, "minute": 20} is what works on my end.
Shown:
{"hour": 4, "minute": 5}
